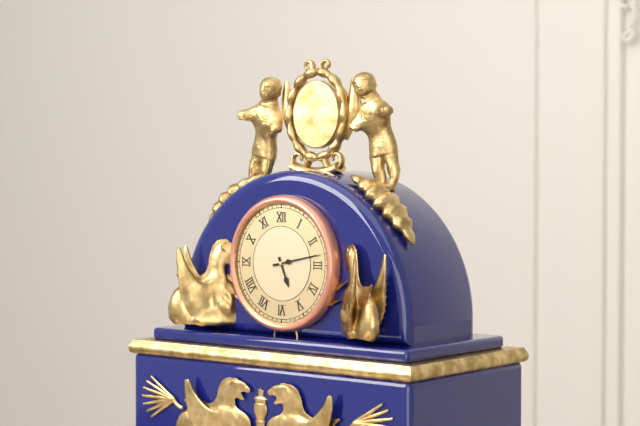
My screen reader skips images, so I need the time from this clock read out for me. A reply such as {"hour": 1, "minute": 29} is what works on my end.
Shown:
{"hour": 5, "minute": 13}
